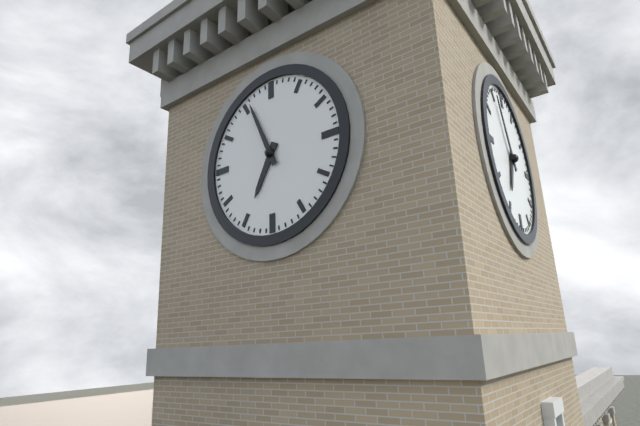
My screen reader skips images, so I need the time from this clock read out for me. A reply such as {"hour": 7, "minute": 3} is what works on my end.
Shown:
{"hour": 6, "minute": 56}
